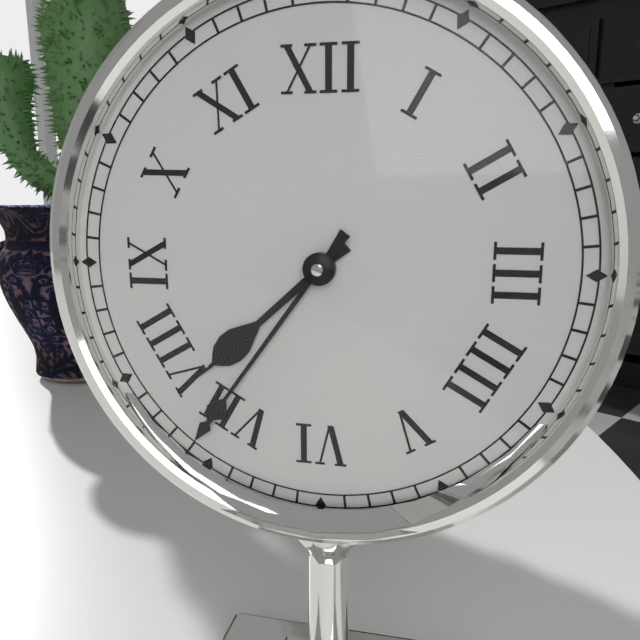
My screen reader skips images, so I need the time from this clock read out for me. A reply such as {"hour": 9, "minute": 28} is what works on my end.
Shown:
{"hour": 7, "minute": 36}
